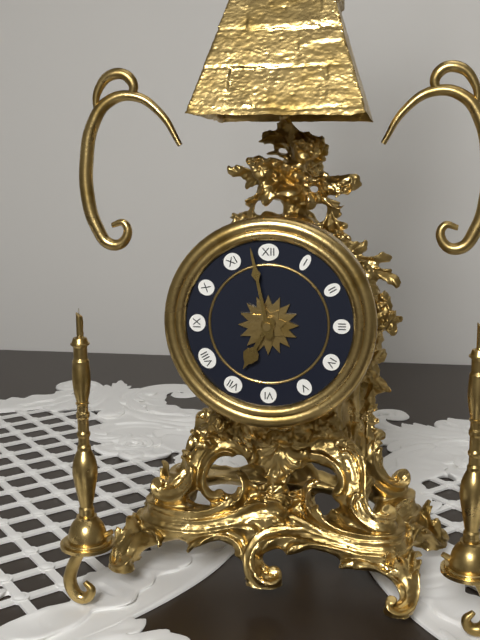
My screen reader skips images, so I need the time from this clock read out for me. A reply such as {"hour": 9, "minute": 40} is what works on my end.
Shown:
{"hour": 6, "minute": 58}
